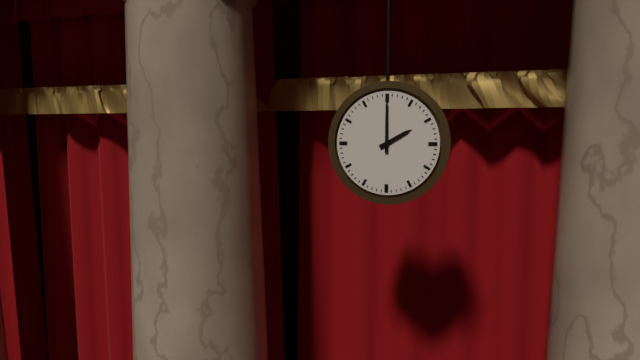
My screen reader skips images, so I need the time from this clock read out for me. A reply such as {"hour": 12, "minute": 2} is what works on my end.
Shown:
{"hour": 2, "minute": 0}
